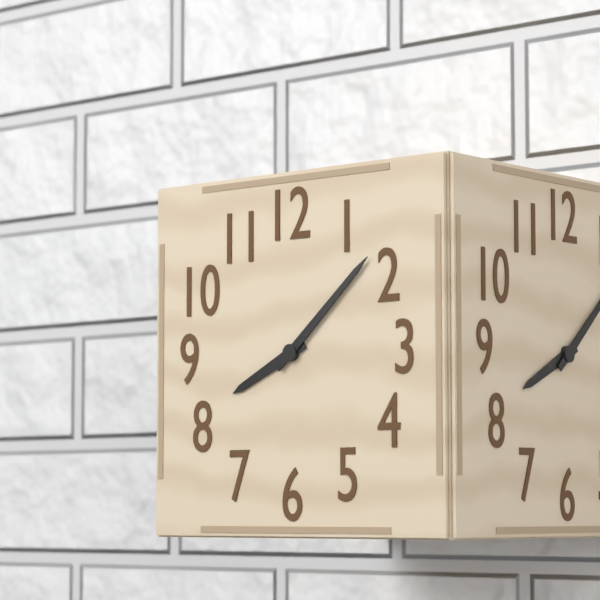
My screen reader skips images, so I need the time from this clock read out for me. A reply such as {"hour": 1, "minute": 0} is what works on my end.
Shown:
{"hour": 8, "minute": 8}
